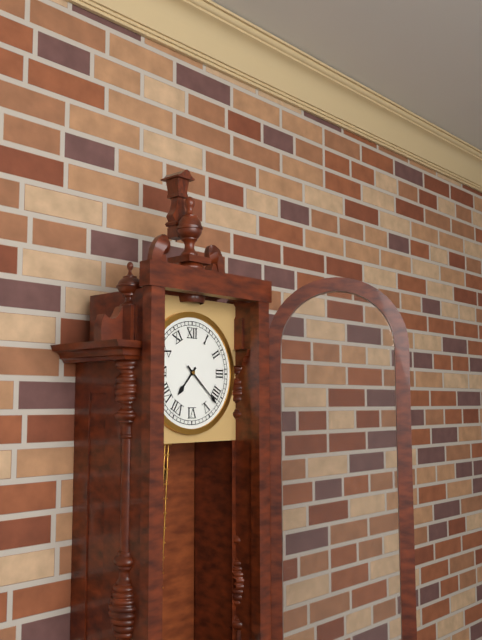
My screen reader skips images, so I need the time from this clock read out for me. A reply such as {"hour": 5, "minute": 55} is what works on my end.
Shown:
{"hour": 7, "minute": 22}
